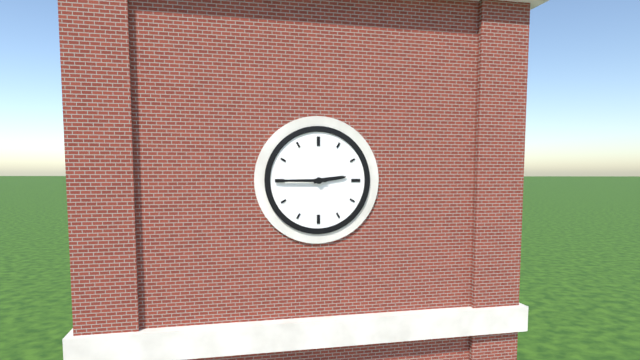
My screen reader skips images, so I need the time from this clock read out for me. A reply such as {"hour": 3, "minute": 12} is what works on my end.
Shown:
{"hour": 2, "minute": 45}
